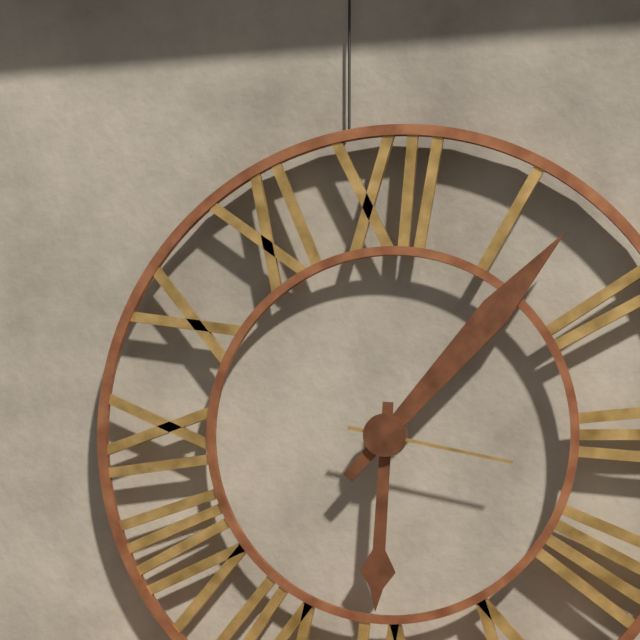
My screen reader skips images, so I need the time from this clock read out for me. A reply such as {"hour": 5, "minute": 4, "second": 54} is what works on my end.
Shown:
{"hour": 6, "minute": 7, "second": 17}
